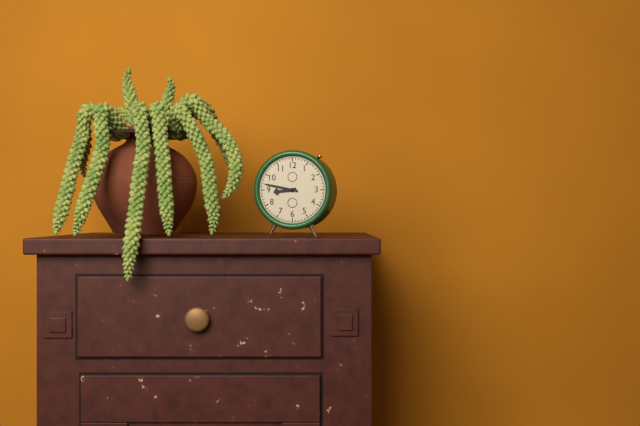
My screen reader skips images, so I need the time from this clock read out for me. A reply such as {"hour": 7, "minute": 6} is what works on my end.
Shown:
{"hour": 8, "minute": 47}
